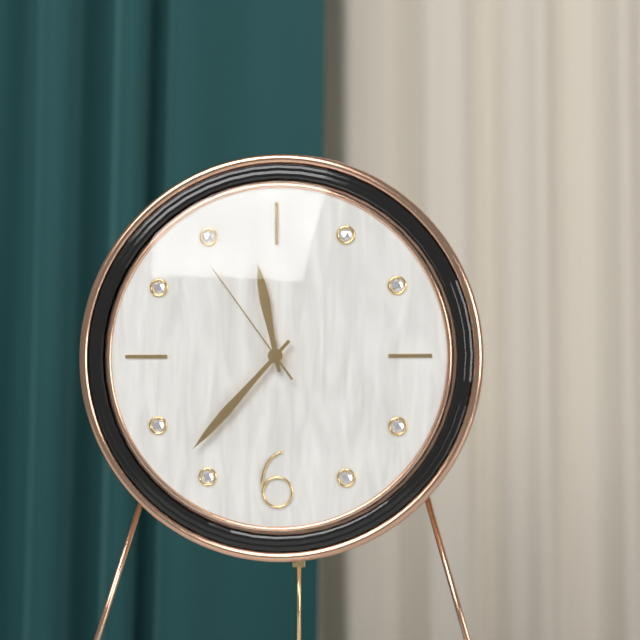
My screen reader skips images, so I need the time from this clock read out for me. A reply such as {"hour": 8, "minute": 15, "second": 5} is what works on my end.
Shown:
{"hour": 11, "minute": 37, "second": 54}
